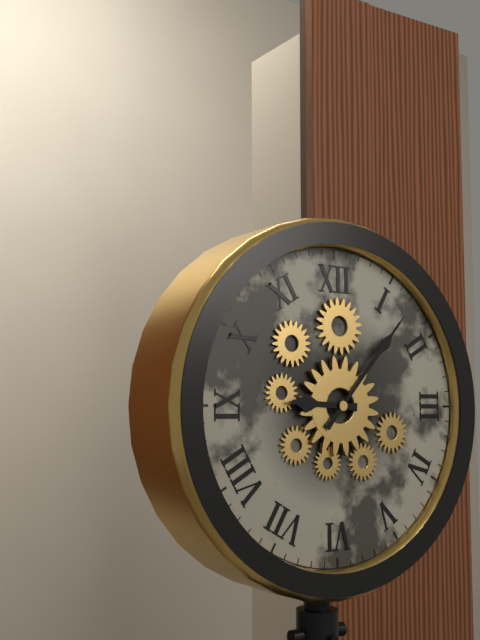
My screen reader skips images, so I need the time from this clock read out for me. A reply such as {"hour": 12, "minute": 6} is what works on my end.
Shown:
{"hour": 9, "minute": 7}
